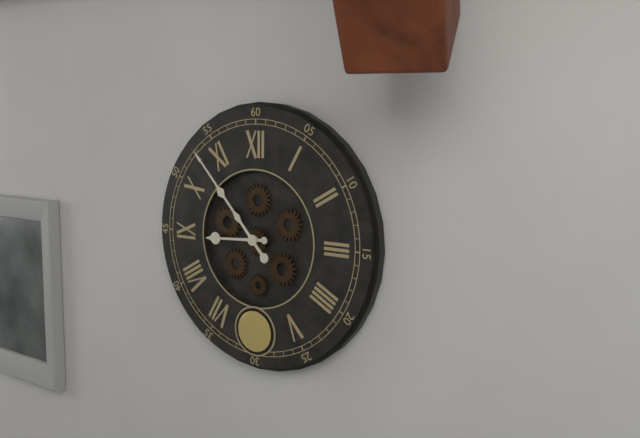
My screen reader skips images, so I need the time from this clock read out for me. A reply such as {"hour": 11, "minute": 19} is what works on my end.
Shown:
{"hour": 8, "minute": 53}
